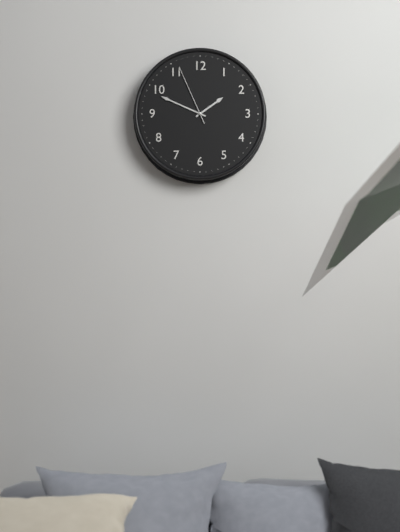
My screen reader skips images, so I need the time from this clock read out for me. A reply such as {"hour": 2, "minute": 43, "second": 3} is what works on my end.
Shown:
{"hour": 1, "minute": 49, "second": 56}
